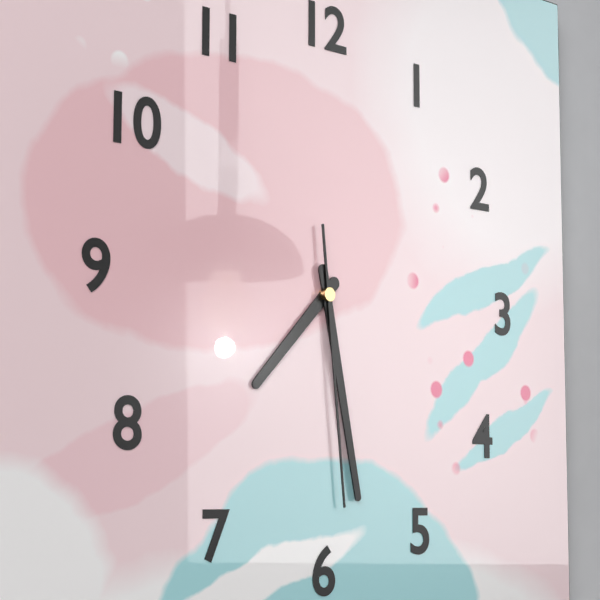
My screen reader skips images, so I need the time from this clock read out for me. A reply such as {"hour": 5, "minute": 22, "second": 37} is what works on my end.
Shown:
{"hour": 7, "minute": 28, "second": 29}
